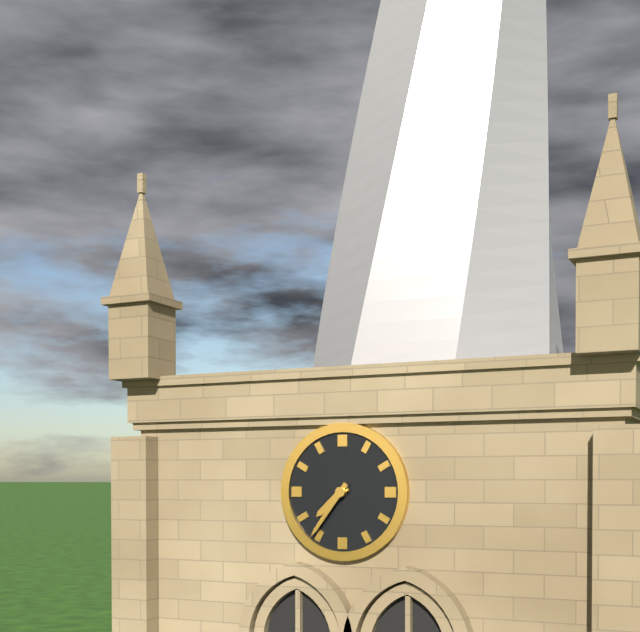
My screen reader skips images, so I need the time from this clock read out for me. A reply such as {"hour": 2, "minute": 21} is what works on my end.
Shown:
{"hour": 7, "minute": 36}
